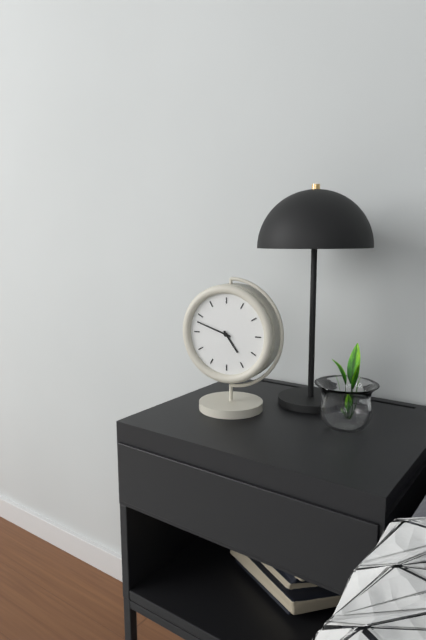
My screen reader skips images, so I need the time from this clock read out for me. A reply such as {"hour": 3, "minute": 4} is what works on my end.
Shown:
{"hour": 4, "minute": 48}
